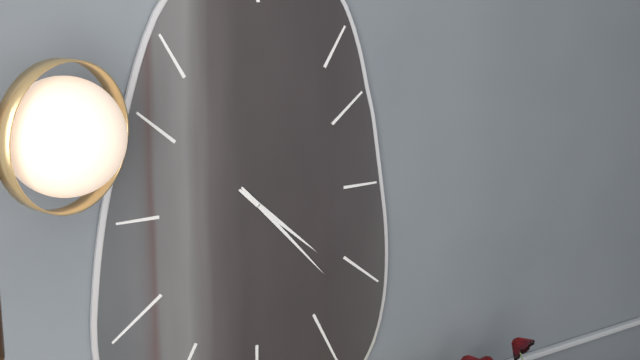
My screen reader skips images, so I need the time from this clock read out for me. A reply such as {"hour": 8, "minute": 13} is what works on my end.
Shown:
{"hour": 4, "minute": 23}
